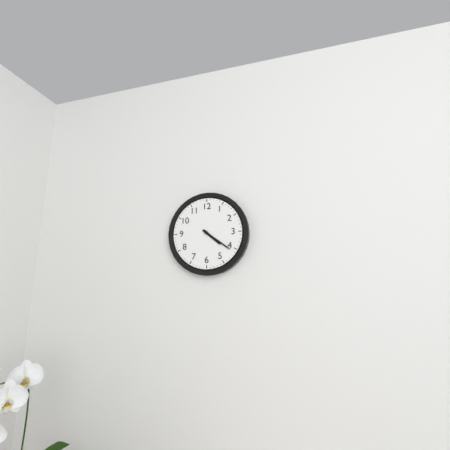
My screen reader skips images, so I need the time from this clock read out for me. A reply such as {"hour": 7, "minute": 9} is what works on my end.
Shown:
{"hour": 4, "minute": 21}
